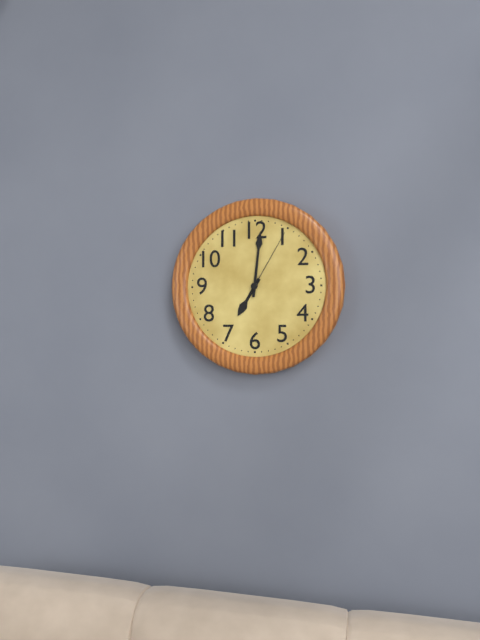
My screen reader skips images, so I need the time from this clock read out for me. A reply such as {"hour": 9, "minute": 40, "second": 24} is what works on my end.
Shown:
{"hour": 7, "minute": 1, "second": 5}
